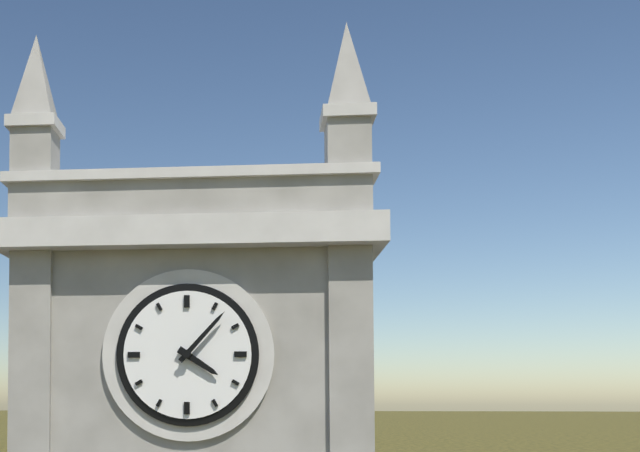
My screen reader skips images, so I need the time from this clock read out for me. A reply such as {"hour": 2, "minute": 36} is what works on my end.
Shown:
{"hour": 4, "minute": 7}
